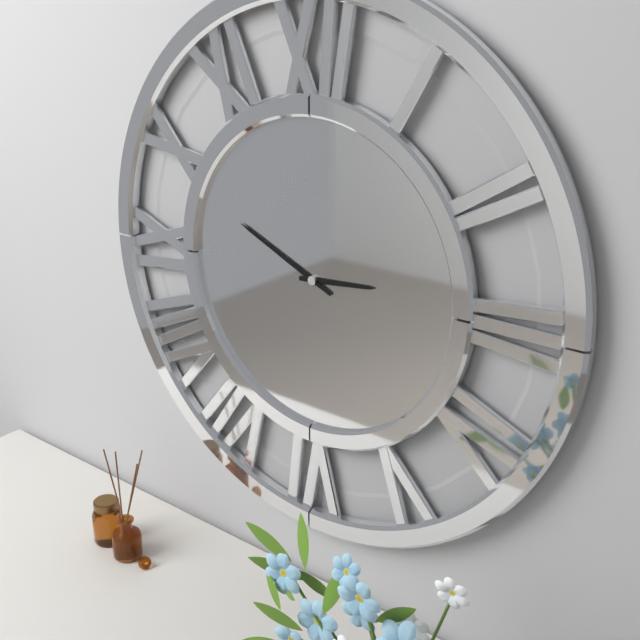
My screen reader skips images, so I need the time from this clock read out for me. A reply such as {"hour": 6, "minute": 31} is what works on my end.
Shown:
{"hour": 2, "minute": 49}
